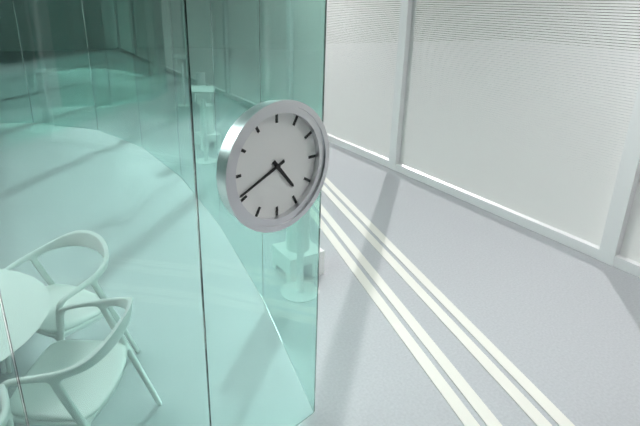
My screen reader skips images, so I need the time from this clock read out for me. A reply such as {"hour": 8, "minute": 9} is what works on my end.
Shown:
{"hour": 4, "minute": 41}
